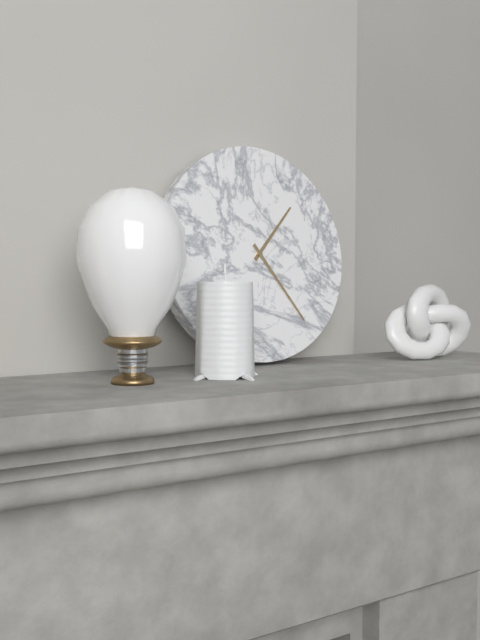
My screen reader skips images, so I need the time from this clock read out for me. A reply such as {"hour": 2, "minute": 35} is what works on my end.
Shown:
{"hour": 1, "minute": 24}
